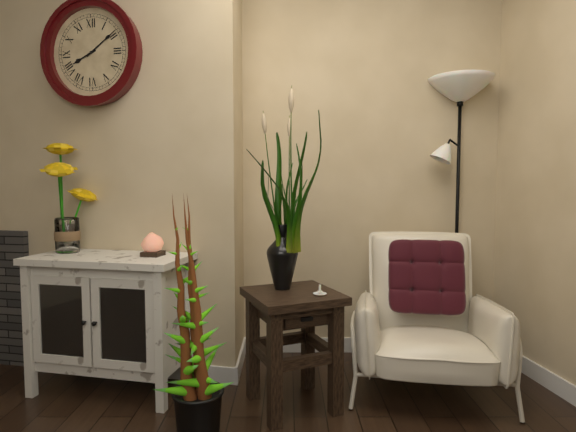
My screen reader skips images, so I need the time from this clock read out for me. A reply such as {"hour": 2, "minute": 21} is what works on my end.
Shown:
{"hour": 8, "minute": 9}
